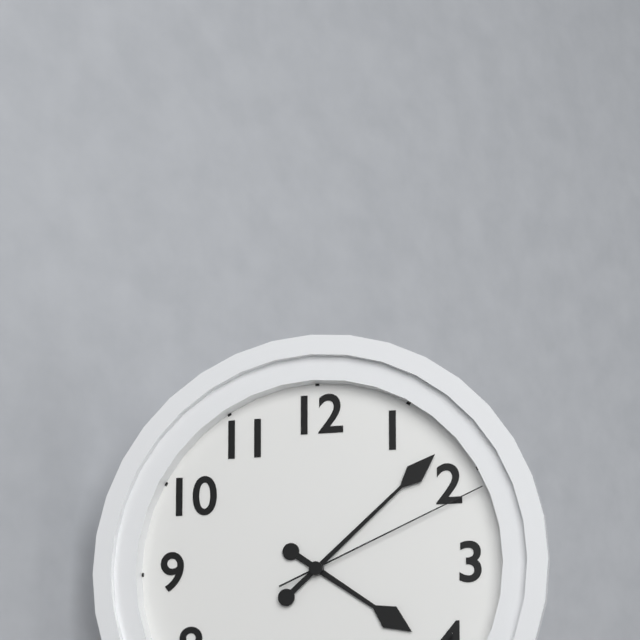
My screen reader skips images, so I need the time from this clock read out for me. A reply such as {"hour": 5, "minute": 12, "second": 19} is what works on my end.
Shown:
{"hour": 4, "minute": 8, "second": 11}
